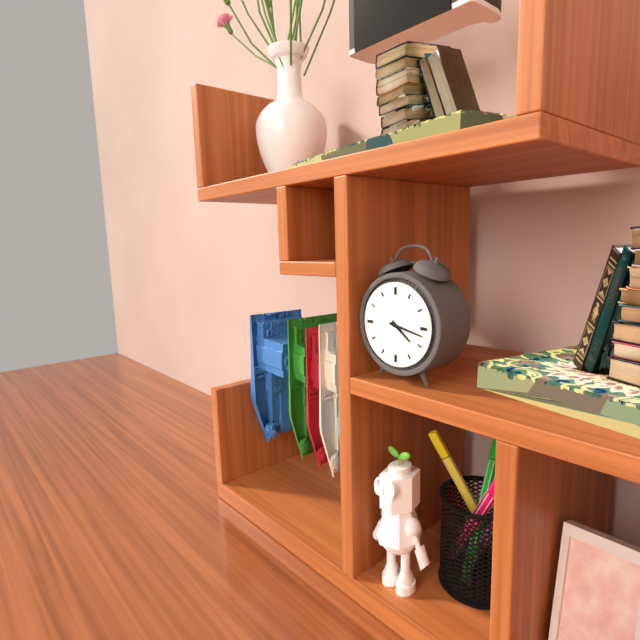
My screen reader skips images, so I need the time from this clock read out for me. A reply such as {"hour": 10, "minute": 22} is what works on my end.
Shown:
{"hour": 4, "minute": 17}
